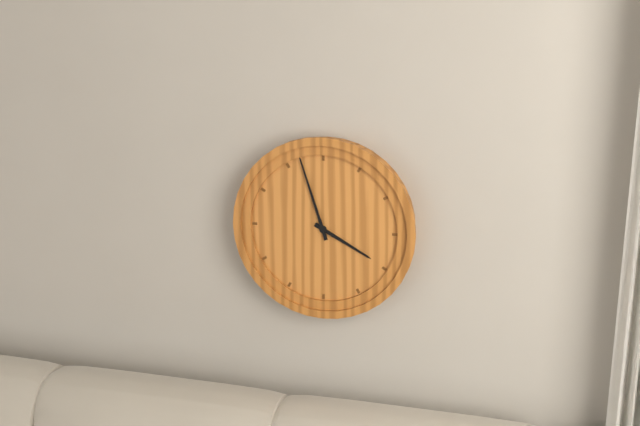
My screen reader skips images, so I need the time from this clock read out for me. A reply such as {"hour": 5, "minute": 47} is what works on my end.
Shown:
{"hour": 3, "minute": 57}
